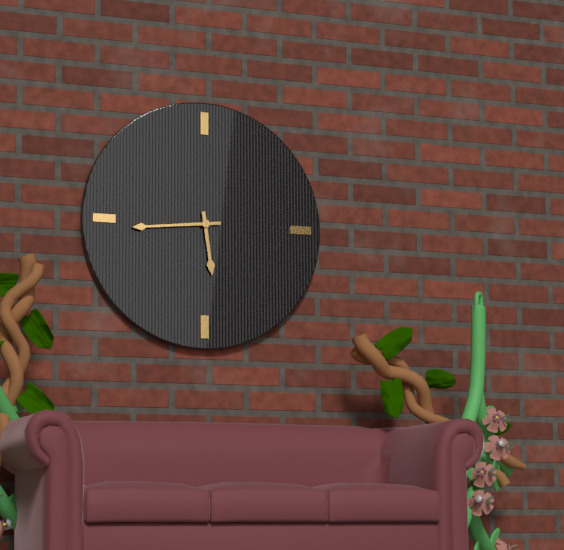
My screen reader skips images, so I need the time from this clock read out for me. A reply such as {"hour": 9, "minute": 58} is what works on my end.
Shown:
{"hour": 5, "minute": 44}
